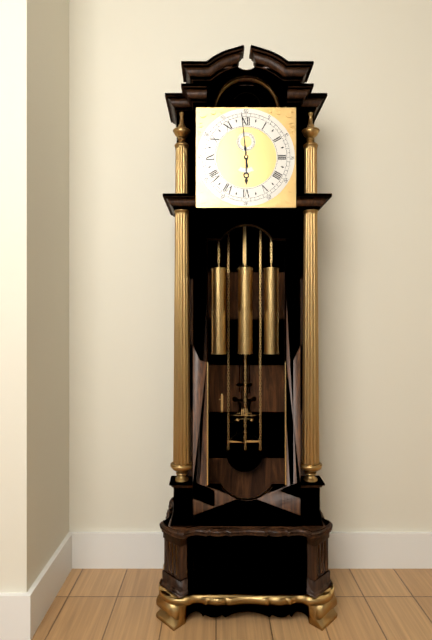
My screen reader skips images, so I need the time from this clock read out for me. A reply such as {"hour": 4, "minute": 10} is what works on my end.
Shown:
{"hour": 5, "minute": 59}
